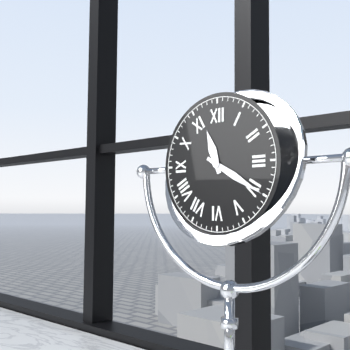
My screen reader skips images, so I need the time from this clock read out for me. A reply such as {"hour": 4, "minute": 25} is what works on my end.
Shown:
{"hour": 11, "minute": 20}
